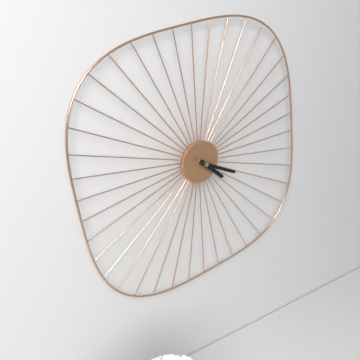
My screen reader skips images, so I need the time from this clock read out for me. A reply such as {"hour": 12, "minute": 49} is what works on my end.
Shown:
{"hour": 4, "minute": 19}
